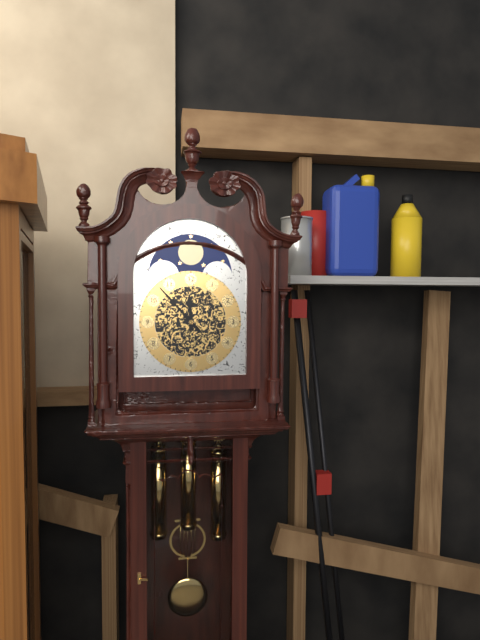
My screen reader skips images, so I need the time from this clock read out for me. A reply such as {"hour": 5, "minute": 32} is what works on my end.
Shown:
{"hour": 11, "minute": 53}
